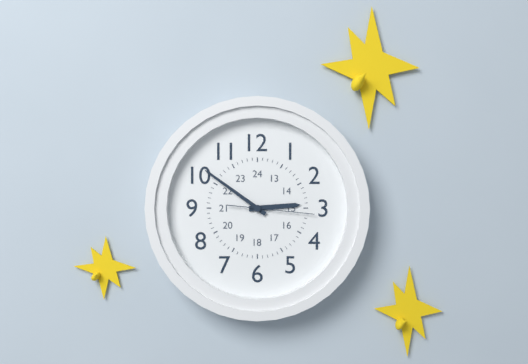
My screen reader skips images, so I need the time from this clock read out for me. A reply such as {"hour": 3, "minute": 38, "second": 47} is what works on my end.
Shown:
{"hour": 2, "minute": 51, "second": 16}
